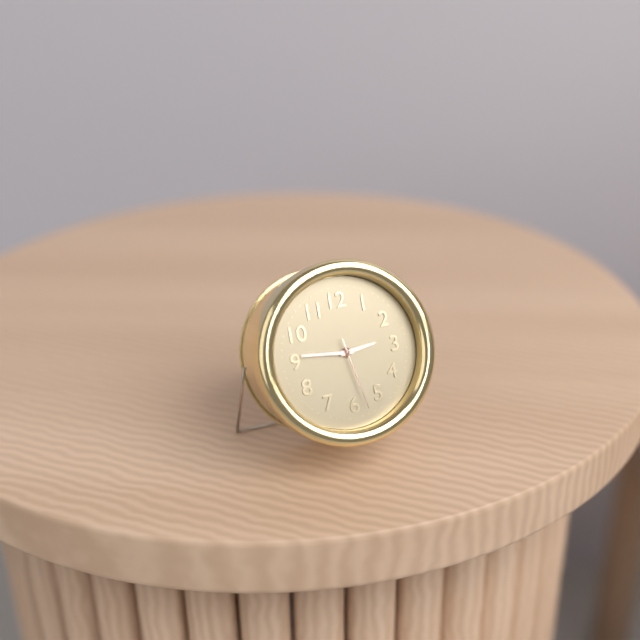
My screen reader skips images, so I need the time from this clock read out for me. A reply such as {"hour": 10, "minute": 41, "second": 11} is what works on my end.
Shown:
{"hour": 2, "minute": 46, "second": 28}
